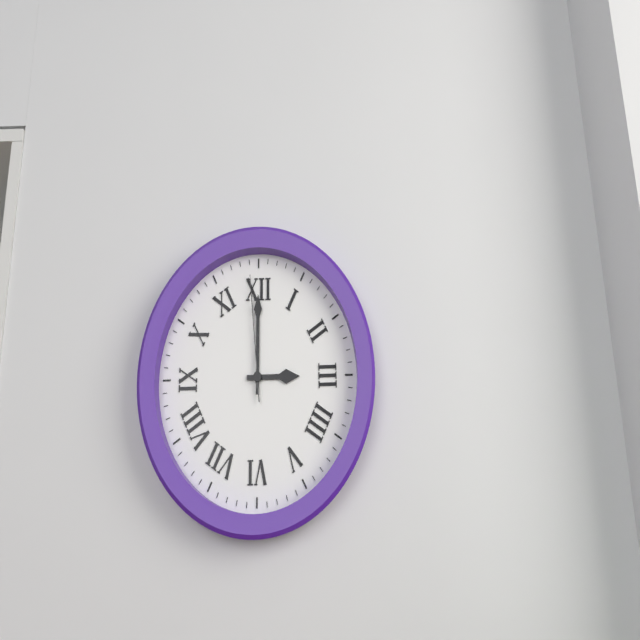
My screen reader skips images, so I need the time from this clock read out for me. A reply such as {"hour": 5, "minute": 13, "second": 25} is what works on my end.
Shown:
{"hour": 3, "minute": 0, "second": 59}
